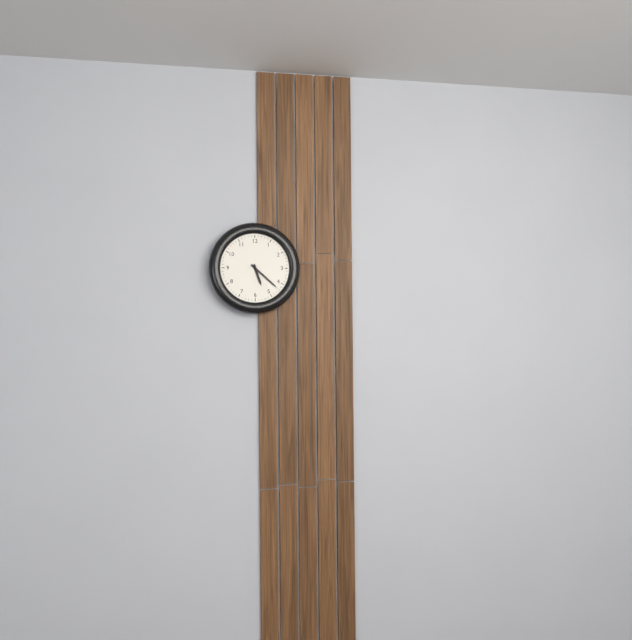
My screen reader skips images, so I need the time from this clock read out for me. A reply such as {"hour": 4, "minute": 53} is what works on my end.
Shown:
{"hour": 5, "minute": 22}
